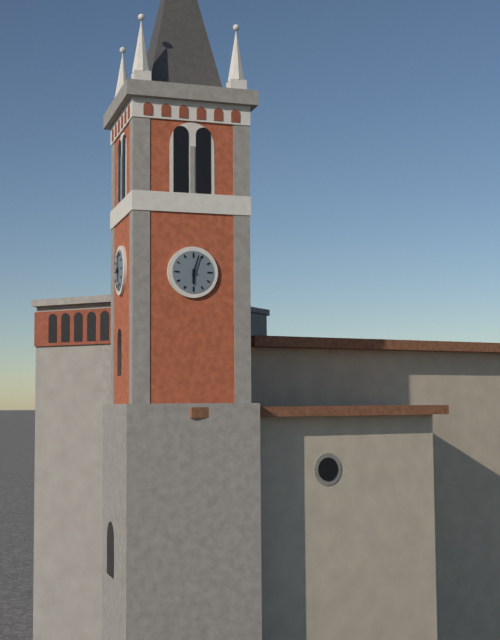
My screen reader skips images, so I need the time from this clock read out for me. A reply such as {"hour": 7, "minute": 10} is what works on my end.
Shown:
{"hour": 6, "minute": 3}
